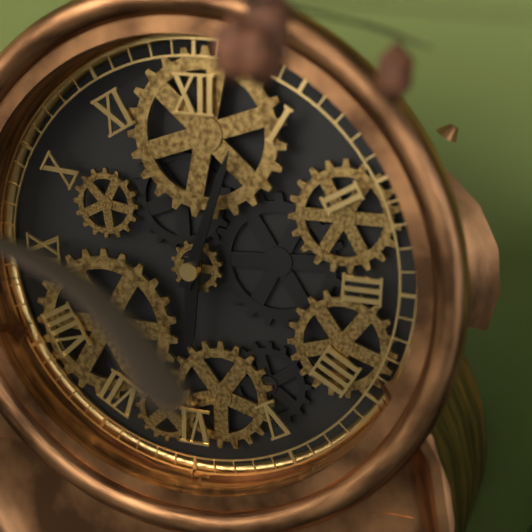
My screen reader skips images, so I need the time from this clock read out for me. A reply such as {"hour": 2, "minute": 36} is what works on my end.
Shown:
{"hour": 6, "minute": 3}
